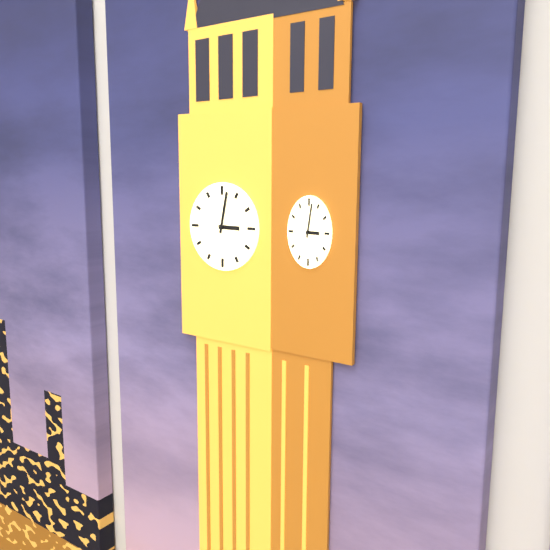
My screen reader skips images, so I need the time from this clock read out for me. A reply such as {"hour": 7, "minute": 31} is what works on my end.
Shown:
{"hour": 3, "minute": 2}
